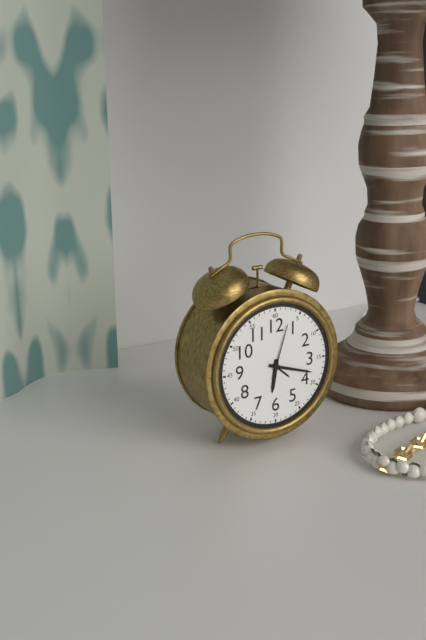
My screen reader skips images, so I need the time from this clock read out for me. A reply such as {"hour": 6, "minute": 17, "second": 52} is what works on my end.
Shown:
{"hour": 6, "minute": 18, "second": 3}
